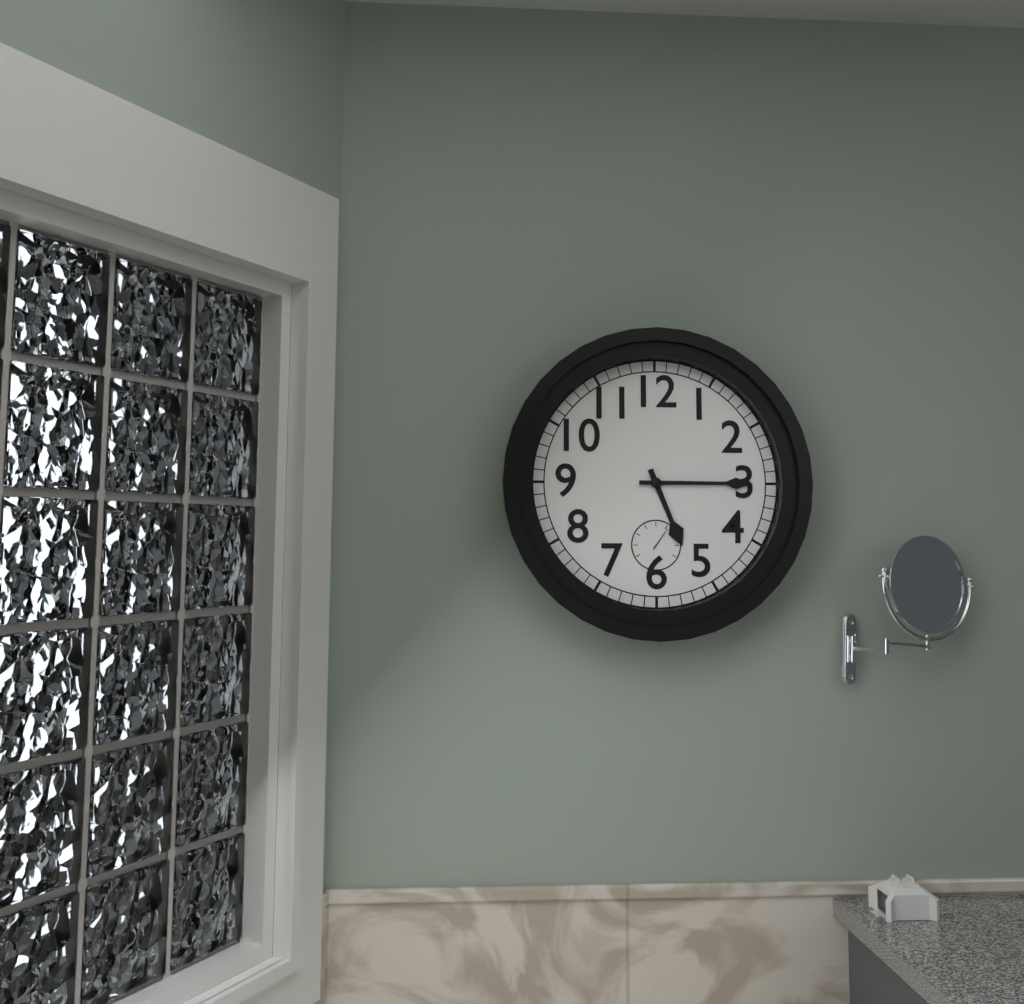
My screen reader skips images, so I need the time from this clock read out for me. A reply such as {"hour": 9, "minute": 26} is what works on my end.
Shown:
{"hour": 5, "minute": 15}
